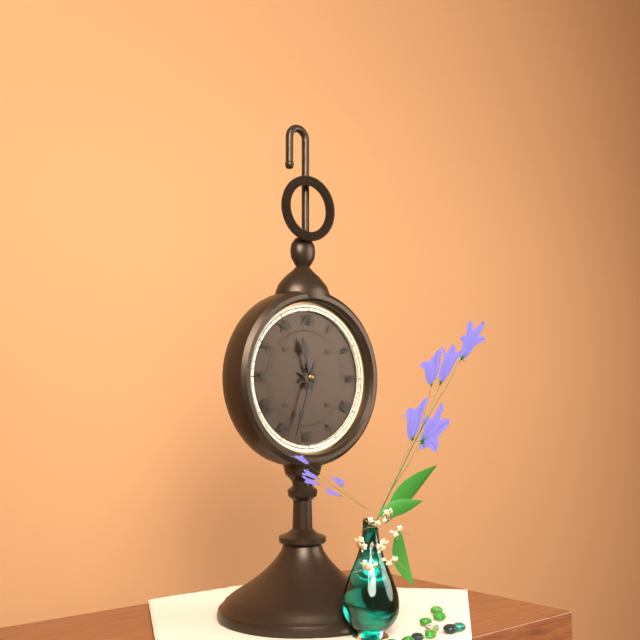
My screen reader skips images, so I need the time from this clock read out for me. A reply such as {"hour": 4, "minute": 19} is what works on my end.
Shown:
{"hour": 11, "minute": 33}
